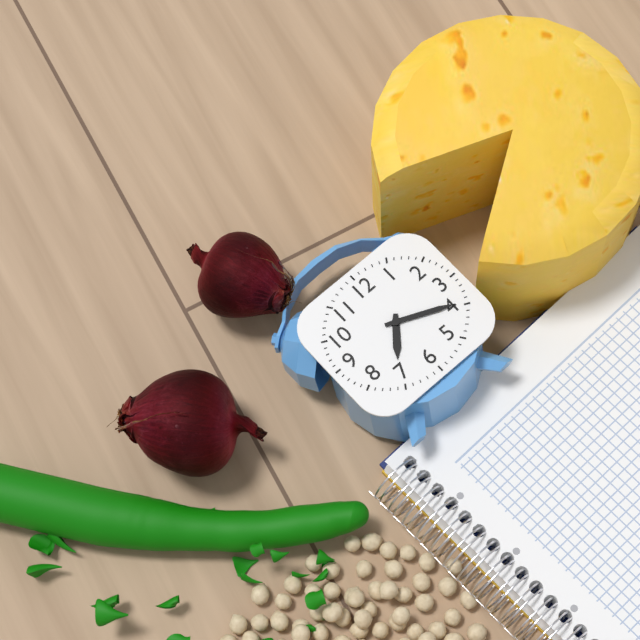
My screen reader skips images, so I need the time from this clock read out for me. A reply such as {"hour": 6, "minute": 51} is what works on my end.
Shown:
{"hour": 7, "minute": 19}
